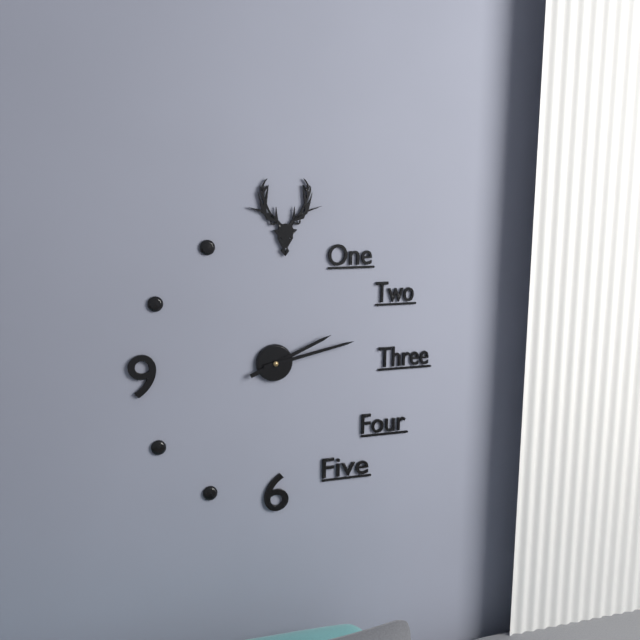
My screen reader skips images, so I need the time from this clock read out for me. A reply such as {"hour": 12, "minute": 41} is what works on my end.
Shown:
{"hour": 2, "minute": 13}
